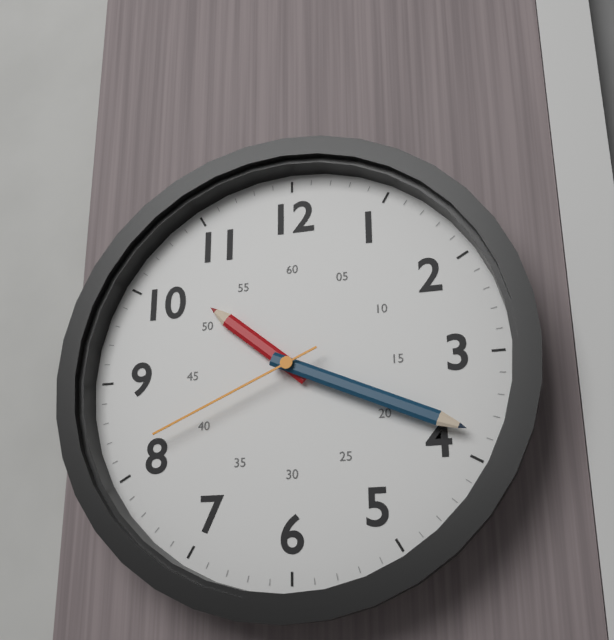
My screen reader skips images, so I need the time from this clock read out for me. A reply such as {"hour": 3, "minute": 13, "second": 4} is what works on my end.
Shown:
{"hour": 10, "minute": 19, "second": 41}
